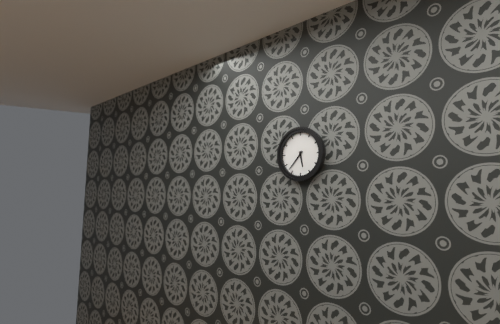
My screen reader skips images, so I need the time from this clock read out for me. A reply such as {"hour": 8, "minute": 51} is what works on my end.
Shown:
{"hour": 5, "minute": 37}
